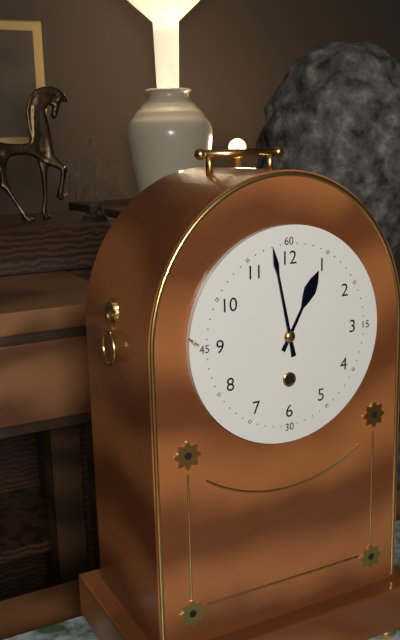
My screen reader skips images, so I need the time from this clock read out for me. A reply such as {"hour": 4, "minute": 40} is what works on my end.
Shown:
{"hour": 12, "minute": 58}
